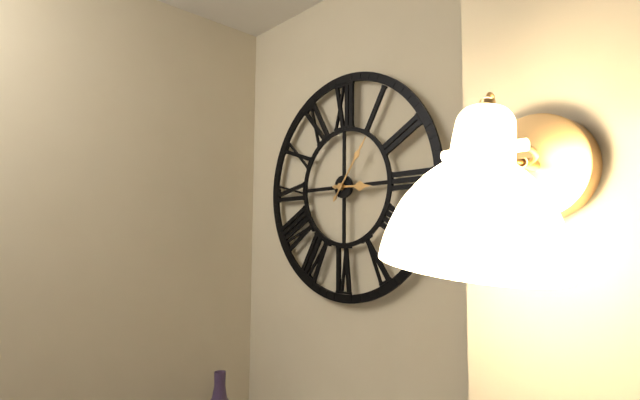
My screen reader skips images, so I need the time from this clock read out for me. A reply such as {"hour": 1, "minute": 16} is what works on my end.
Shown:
{"hour": 3, "minute": 6}
